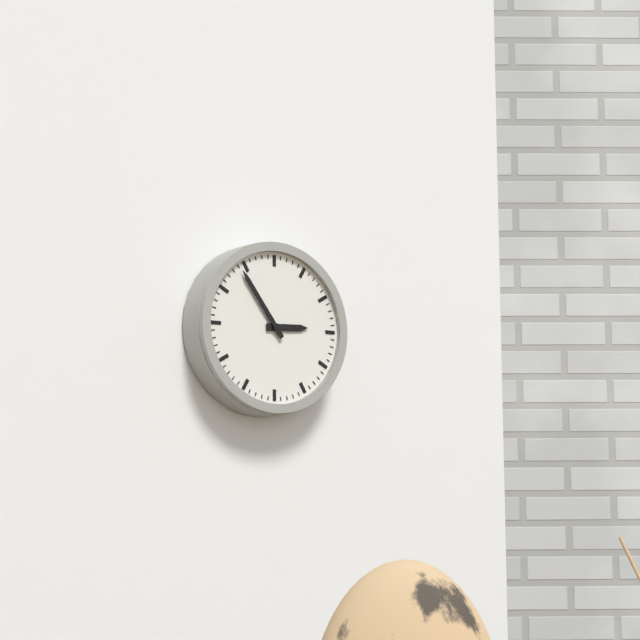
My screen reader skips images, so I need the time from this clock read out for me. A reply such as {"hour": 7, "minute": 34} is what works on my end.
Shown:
{"hour": 2, "minute": 54}
